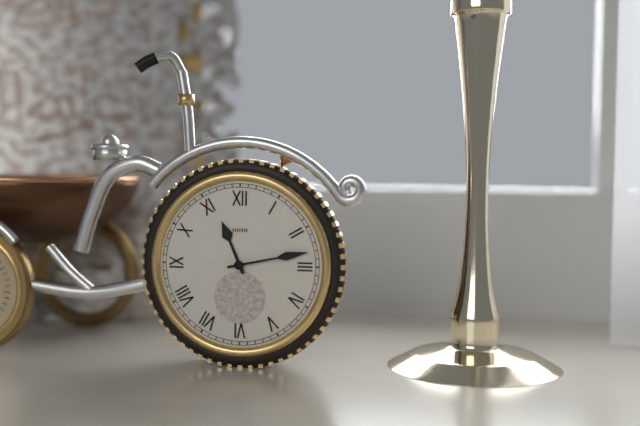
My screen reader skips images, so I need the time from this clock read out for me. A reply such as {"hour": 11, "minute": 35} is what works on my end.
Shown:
{"hour": 11, "minute": 13}
